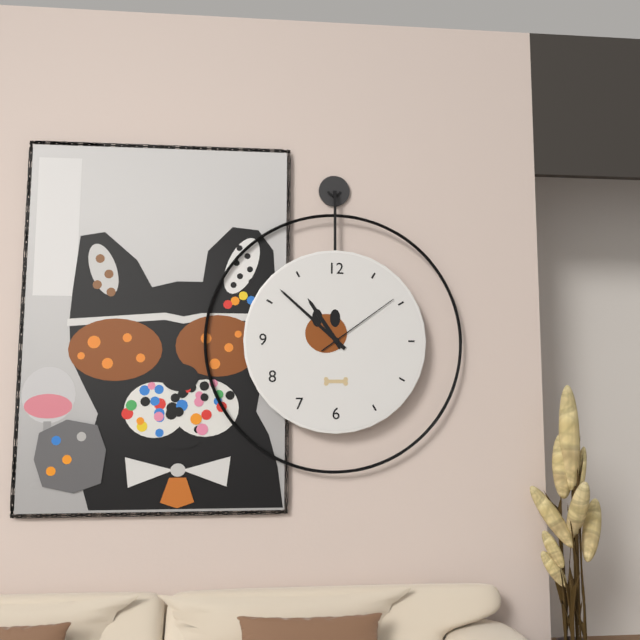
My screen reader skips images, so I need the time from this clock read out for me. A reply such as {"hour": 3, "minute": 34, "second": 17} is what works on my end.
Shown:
{"hour": 10, "minute": 52, "second": 9}
